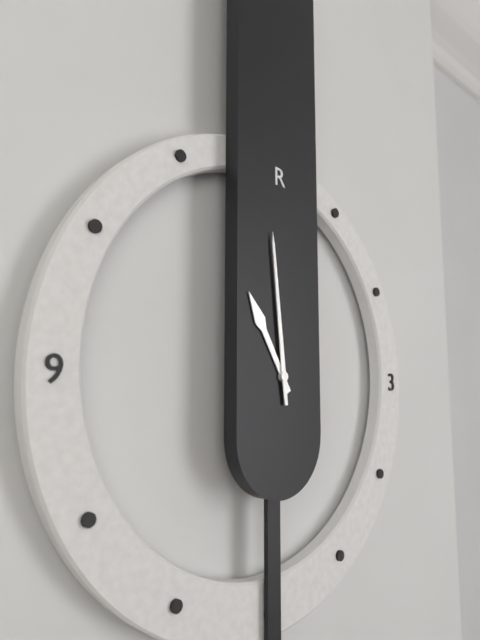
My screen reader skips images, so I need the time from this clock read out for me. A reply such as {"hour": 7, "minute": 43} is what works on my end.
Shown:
{"hour": 10, "minute": 59}
